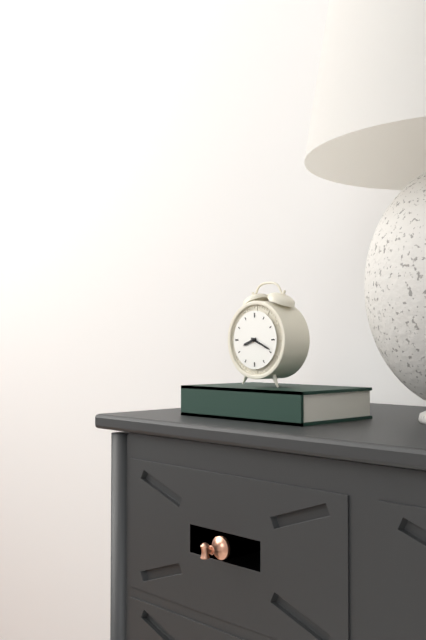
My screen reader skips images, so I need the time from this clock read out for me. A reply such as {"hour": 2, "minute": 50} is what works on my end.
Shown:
{"hour": 8, "minute": 19}
